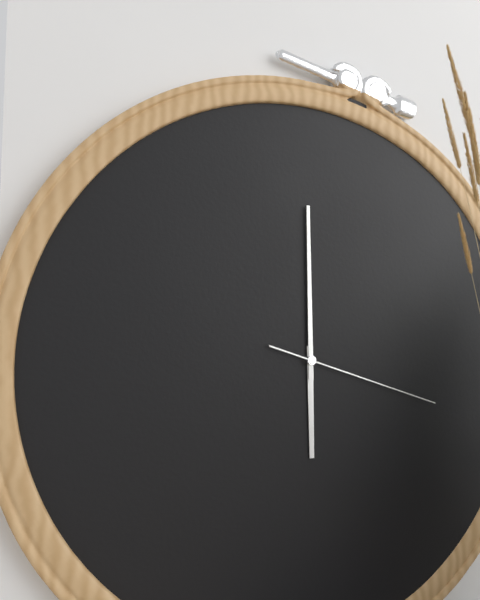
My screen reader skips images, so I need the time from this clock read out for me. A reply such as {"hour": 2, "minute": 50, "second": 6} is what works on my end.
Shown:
{"hour": 6, "minute": 0, "second": 18}
